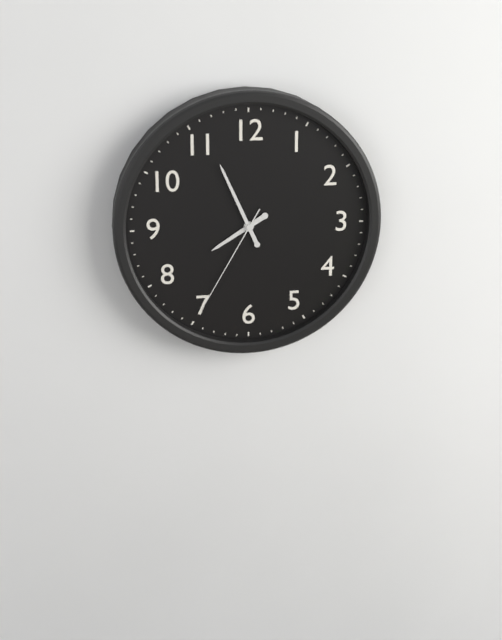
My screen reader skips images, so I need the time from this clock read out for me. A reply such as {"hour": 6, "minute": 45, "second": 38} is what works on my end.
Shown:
{"hour": 7, "minute": 56, "second": 35}
